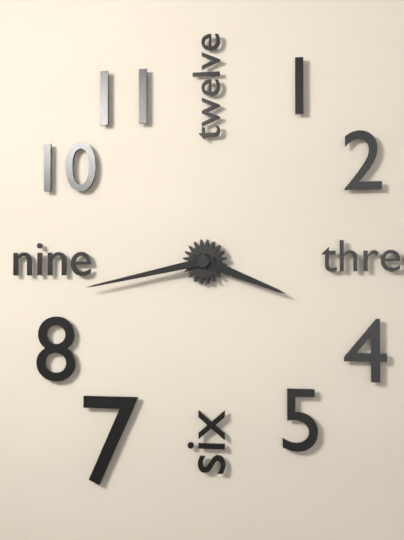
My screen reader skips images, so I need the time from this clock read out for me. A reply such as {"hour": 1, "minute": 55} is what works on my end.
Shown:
{"hour": 3, "minute": 43}
